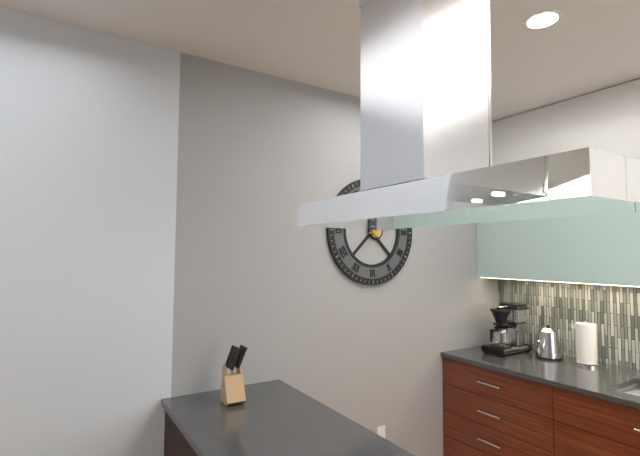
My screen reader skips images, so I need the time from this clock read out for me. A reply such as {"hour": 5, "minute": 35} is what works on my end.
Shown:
{"hour": 11, "minute": 12}
